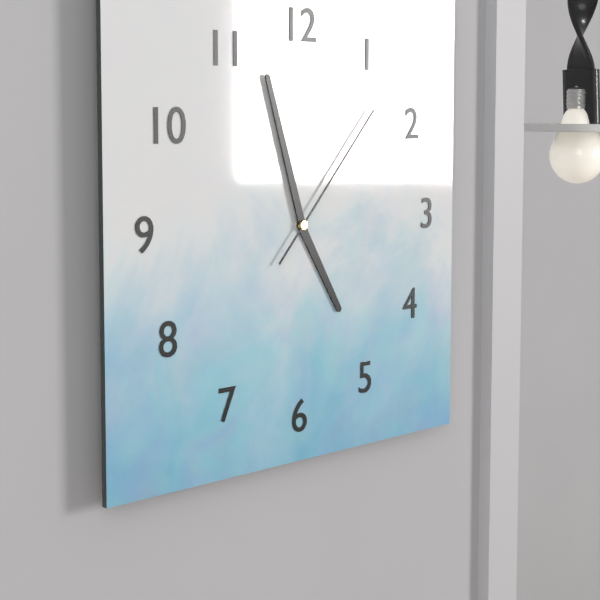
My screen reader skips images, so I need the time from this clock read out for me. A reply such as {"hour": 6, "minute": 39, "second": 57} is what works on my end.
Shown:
{"hour": 4, "minute": 57, "second": 7}
